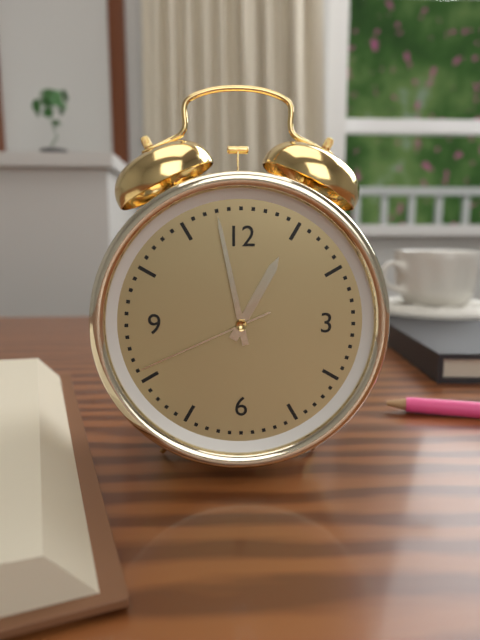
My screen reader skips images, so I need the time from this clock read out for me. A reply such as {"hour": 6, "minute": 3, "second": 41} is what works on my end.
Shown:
{"hour": 12, "minute": 58, "second": 41}
